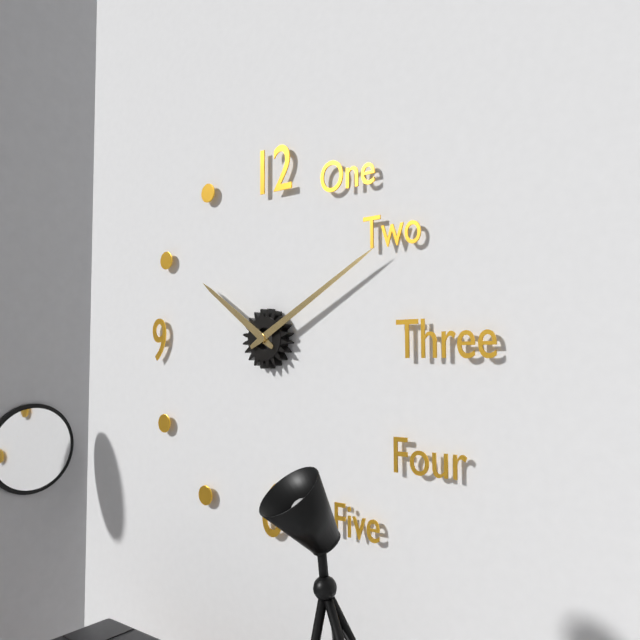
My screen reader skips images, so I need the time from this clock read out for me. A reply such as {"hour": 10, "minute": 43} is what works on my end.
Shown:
{"hour": 10, "minute": 10}
